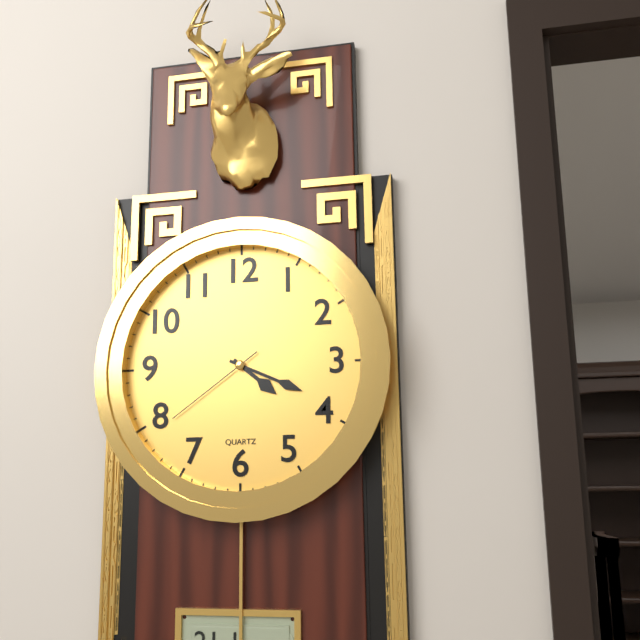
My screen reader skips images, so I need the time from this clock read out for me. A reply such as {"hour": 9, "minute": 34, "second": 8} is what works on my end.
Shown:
{"hour": 4, "minute": 19, "second": 39}
